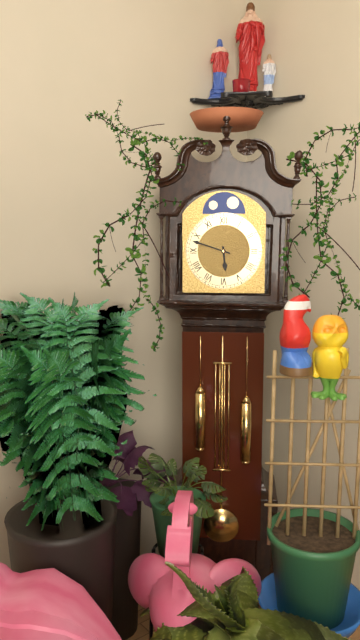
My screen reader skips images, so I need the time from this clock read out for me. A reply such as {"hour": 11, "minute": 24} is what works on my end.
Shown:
{"hour": 5, "minute": 48}
